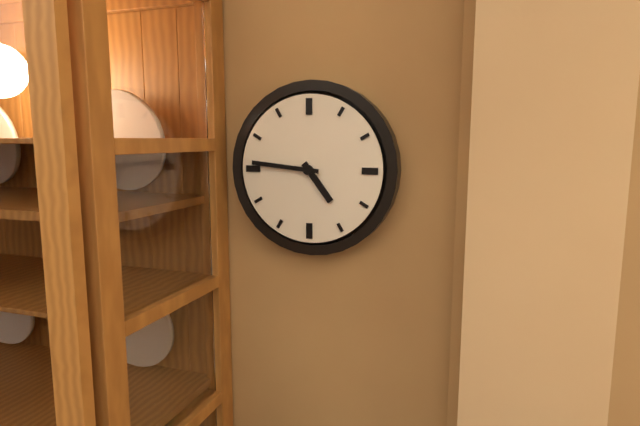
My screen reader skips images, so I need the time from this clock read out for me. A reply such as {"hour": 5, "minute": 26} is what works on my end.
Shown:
{"hour": 4, "minute": 46}
